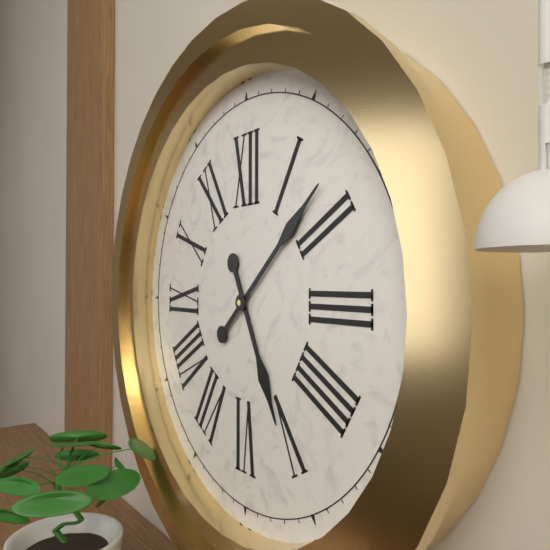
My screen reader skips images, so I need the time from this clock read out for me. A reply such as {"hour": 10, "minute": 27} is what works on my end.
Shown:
{"hour": 5, "minute": 8}
